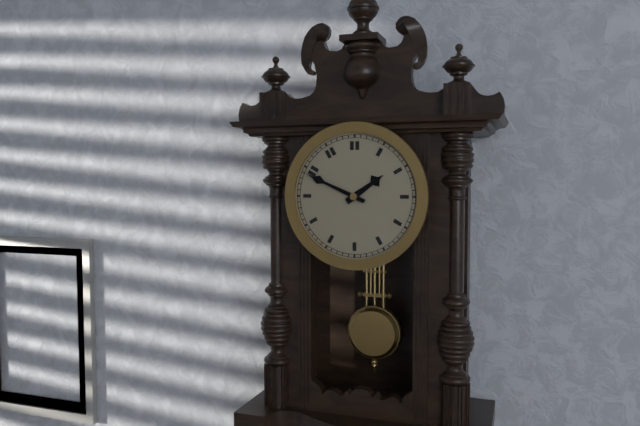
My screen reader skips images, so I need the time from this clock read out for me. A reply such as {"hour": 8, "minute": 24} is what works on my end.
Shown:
{"hour": 1, "minute": 49}
